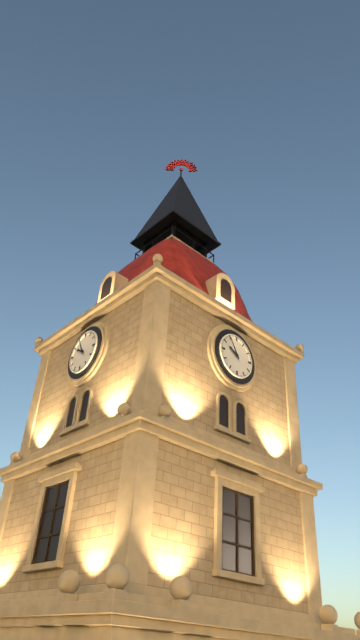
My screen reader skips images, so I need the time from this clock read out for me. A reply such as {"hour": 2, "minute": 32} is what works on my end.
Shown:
{"hour": 9, "minute": 55}
